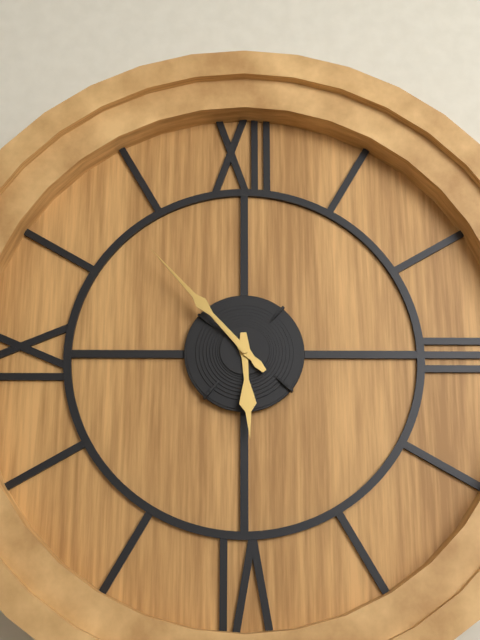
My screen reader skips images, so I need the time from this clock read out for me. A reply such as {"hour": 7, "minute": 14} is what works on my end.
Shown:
{"hour": 5, "minute": 53}
